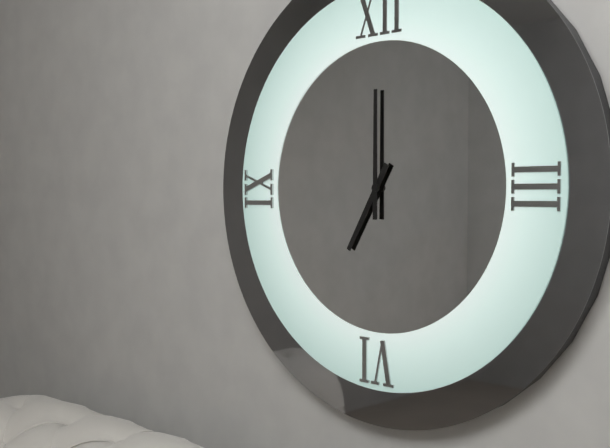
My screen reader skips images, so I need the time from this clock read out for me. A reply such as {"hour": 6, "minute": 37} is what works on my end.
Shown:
{"hour": 7, "minute": 0}
